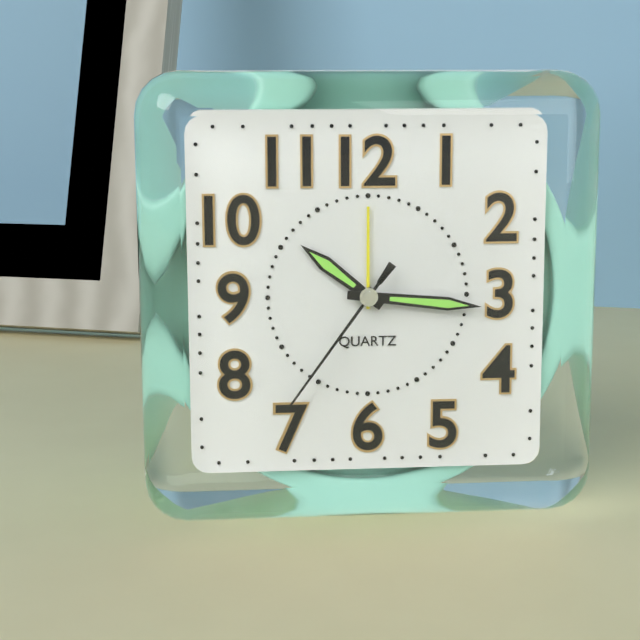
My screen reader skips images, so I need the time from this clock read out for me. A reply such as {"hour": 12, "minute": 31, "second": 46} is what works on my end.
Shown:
{"hour": 10, "minute": 16, "second": 36}
